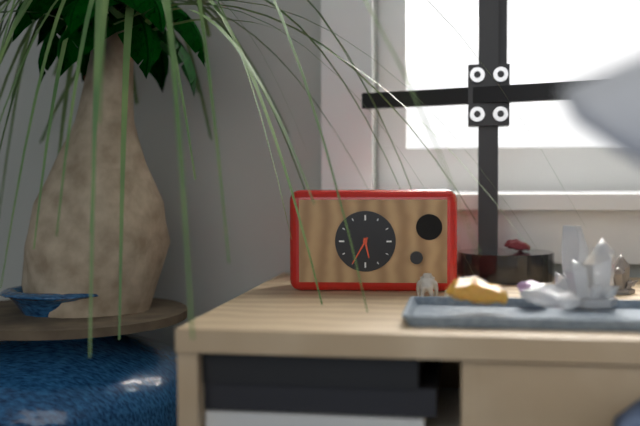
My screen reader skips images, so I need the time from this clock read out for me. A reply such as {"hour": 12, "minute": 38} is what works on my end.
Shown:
{"hour": 5, "minute": 35}
